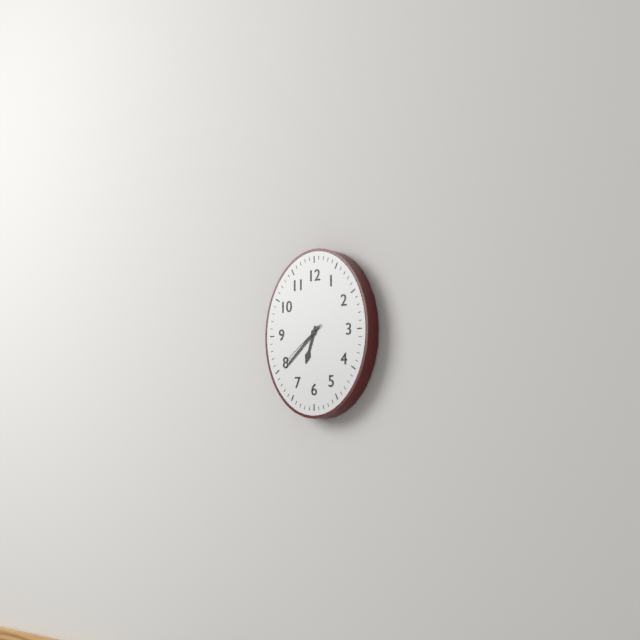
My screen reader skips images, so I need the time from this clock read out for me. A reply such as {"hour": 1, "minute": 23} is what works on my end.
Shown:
{"hour": 6, "minute": 38}
